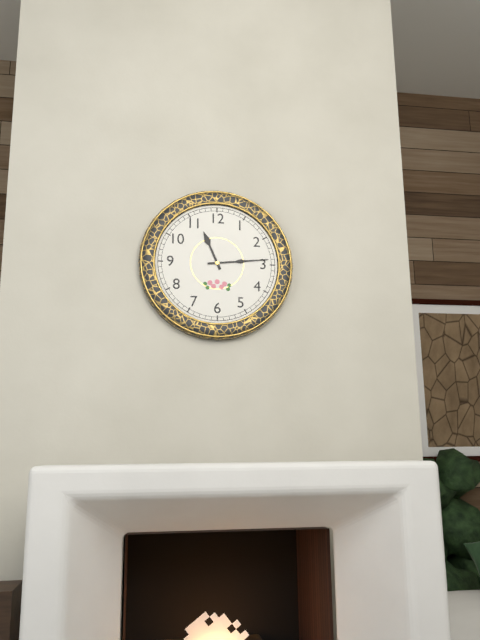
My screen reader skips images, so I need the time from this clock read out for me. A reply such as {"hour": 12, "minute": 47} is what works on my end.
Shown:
{"hour": 11, "minute": 14}
